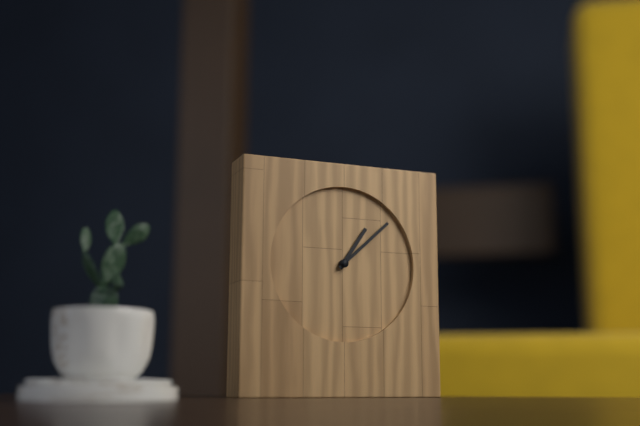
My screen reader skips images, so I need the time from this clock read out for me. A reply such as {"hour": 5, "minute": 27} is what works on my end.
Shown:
{"hour": 1, "minute": 8}
